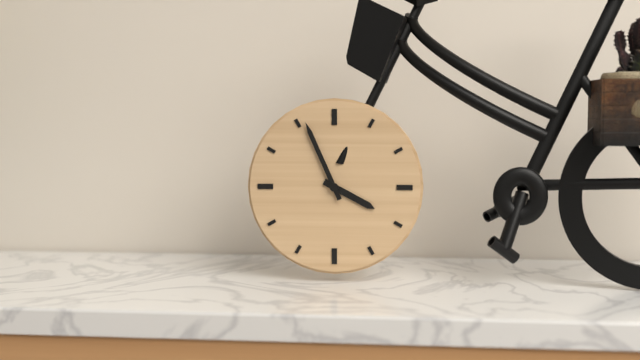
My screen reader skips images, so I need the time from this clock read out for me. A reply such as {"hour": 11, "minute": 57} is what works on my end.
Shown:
{"hour": 3, "minute": 56}
